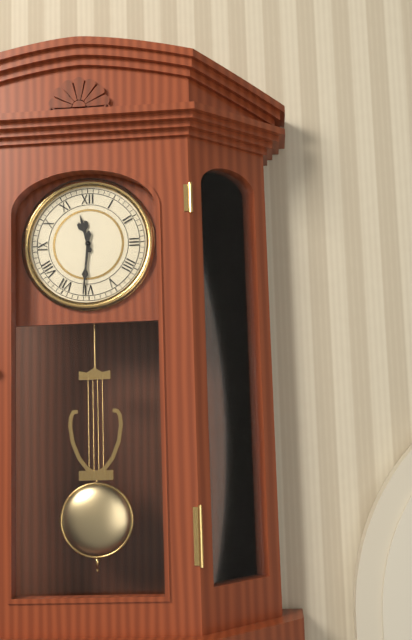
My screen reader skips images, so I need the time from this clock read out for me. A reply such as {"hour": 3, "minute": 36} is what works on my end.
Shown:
{"hour": 11, "minute": 31}
